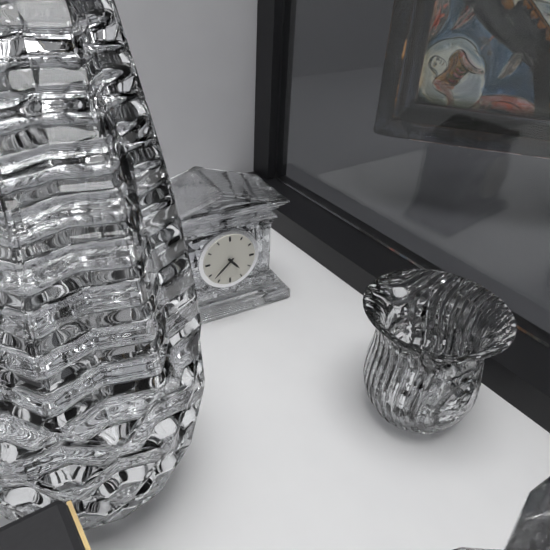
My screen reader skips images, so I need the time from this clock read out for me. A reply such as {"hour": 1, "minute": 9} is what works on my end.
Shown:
{"hour": 4, "minute": 38}
